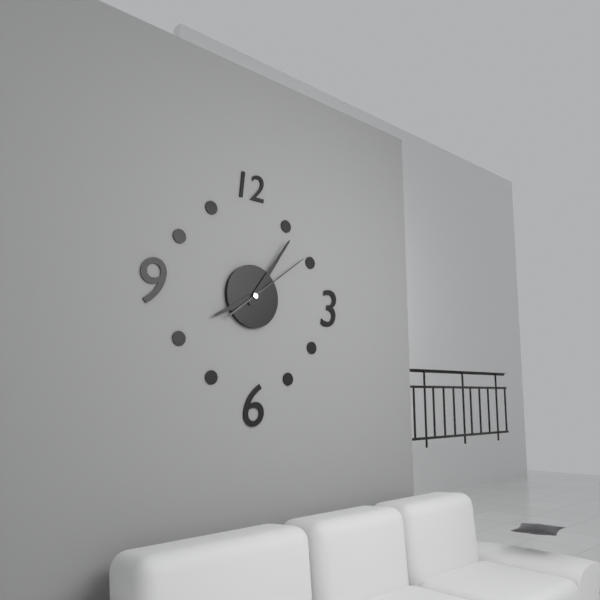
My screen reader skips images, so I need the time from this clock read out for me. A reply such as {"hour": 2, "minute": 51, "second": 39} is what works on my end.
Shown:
{"hour": 8, "minute": 6, "second": 9}
